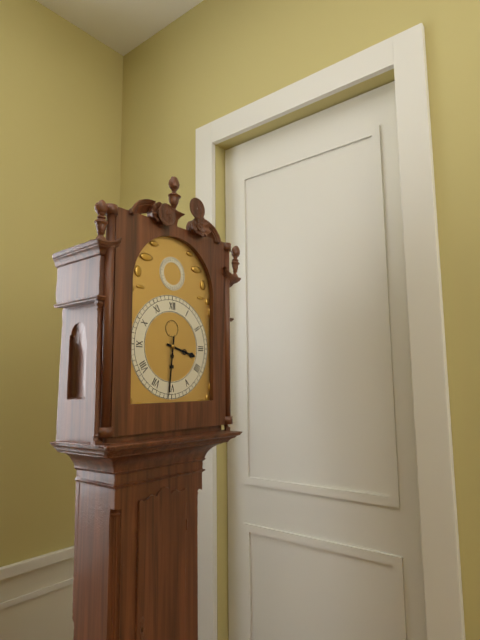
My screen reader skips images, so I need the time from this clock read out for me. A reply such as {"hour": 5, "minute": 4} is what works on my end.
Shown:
{"hour": 3, "minute": 31}
